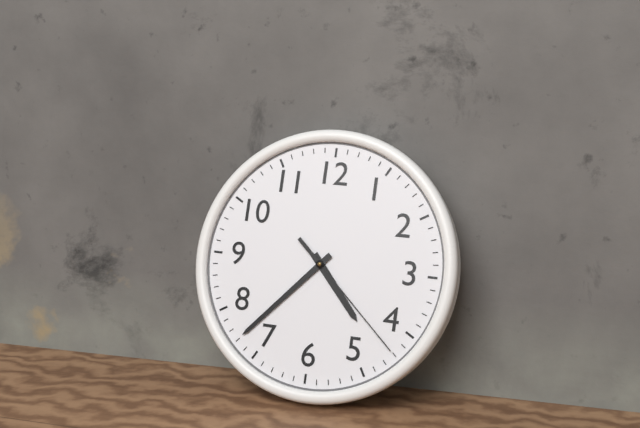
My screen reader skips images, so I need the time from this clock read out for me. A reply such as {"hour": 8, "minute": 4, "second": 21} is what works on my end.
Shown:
{"hour": 4, "minute": 37, "second": 22}
